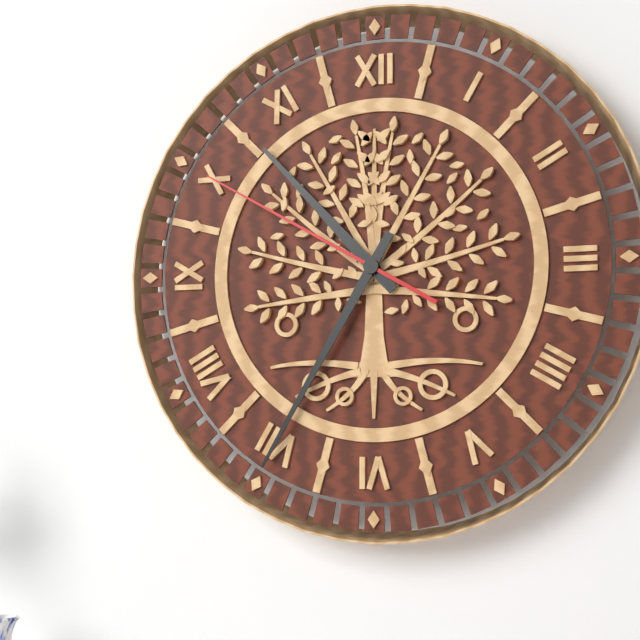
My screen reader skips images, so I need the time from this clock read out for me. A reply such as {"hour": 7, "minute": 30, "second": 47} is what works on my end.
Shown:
{"hour": 10, "minute": 35, "second": 50}
